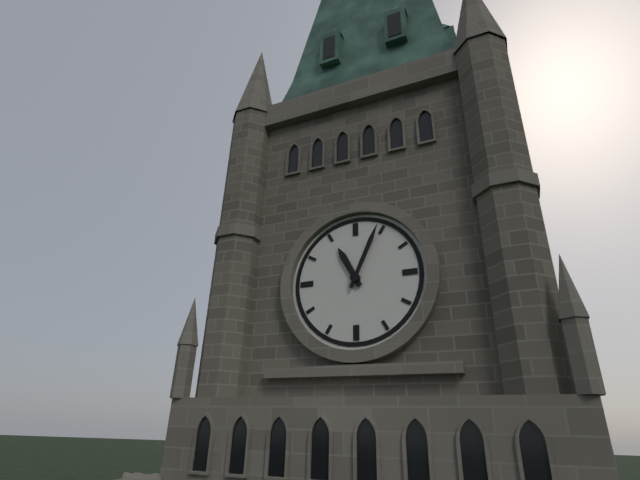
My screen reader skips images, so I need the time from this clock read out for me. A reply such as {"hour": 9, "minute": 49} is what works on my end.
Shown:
{"hour": 11, "minute": 4}
